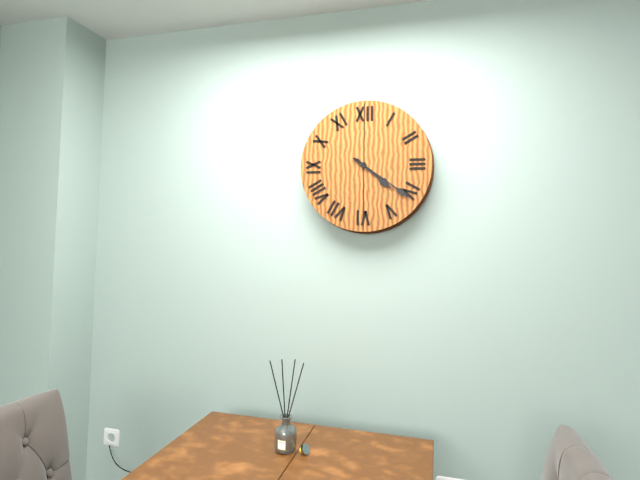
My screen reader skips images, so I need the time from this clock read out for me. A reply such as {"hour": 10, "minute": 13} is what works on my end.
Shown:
{"hour": 4, "minute": 21}
